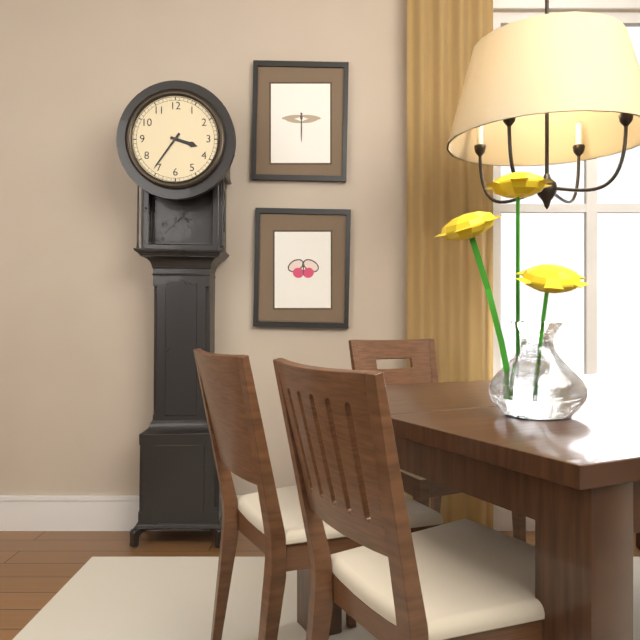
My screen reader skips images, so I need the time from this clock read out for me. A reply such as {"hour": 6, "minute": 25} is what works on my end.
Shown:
{"hour": 3, "minute": 36}
